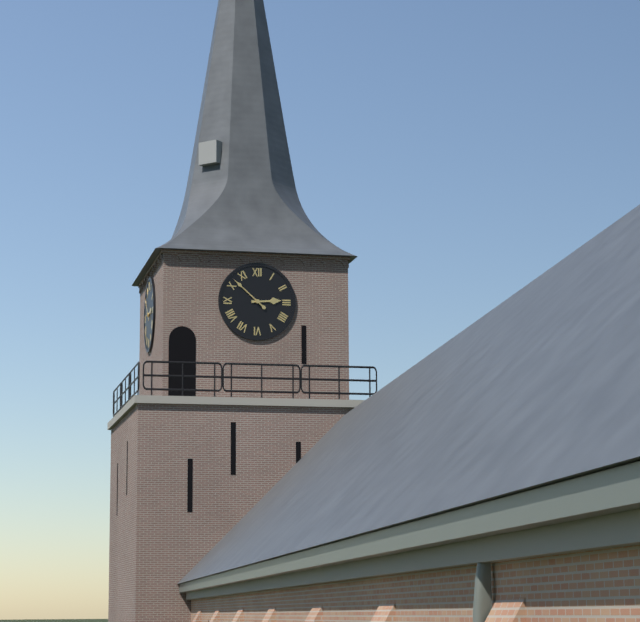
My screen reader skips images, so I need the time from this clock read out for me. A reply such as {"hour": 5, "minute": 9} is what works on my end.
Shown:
{"hour": 2, "minute": 52}
